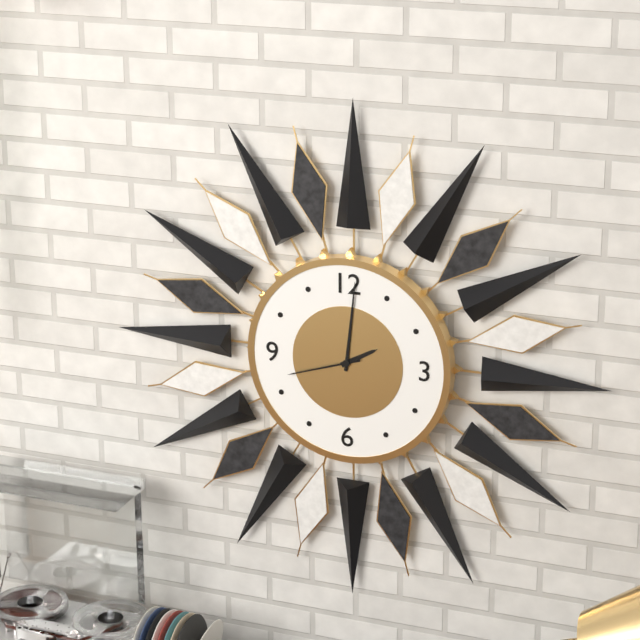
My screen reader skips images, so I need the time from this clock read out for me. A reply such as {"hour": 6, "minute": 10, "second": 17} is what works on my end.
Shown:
{"hour": 2, "minute": 1, "second": 42}
